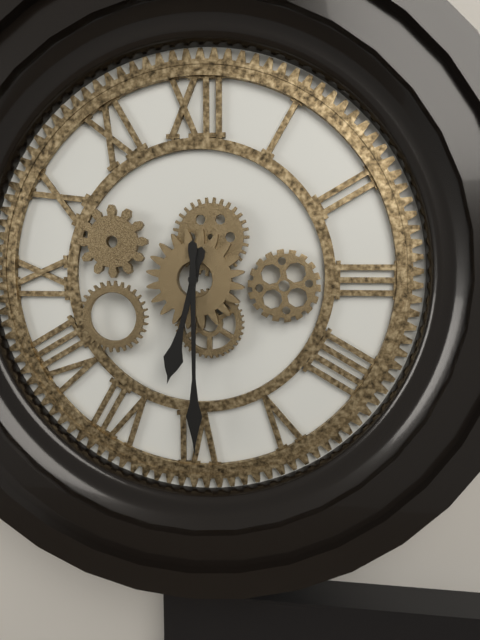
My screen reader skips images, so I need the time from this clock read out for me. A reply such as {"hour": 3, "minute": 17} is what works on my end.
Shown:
{"hour": 6, "minute": 30}
